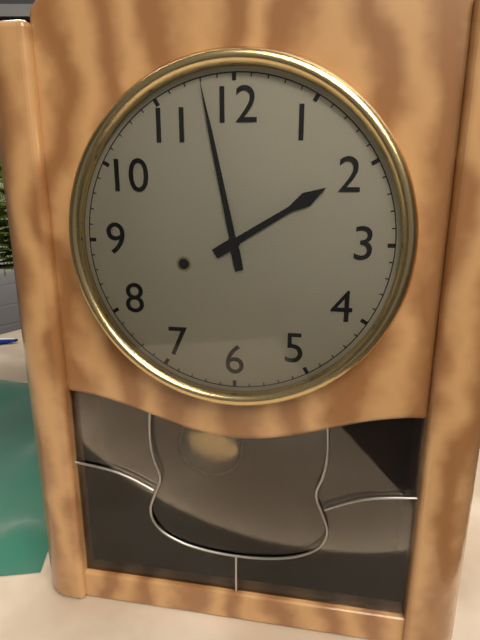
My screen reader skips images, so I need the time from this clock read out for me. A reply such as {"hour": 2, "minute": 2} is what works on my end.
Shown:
{"hour": 1, "minute": 58}
